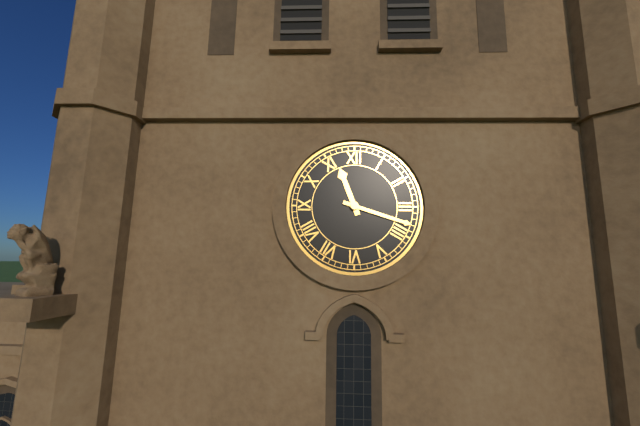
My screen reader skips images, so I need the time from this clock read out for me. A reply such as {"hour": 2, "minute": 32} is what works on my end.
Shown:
{"hour": 11, "minute": 18}
